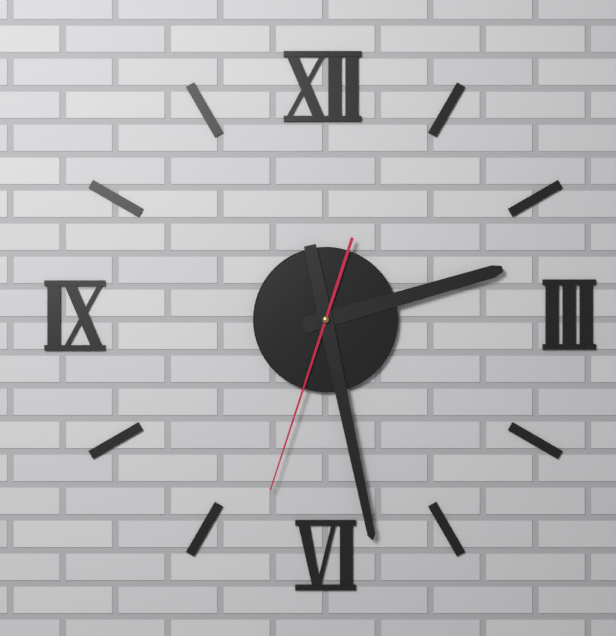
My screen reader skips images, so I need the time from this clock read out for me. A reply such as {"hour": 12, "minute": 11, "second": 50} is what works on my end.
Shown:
{"hour": 2, "minute": 28, "second": 33}
